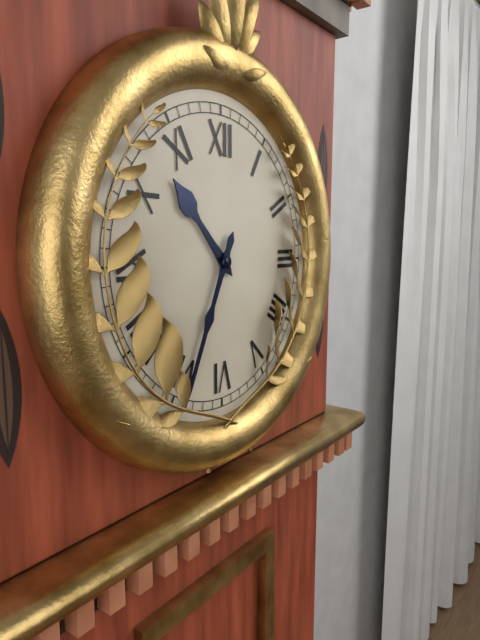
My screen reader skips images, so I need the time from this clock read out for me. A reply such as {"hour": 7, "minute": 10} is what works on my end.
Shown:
{"hour": 10, "minute": 34}
